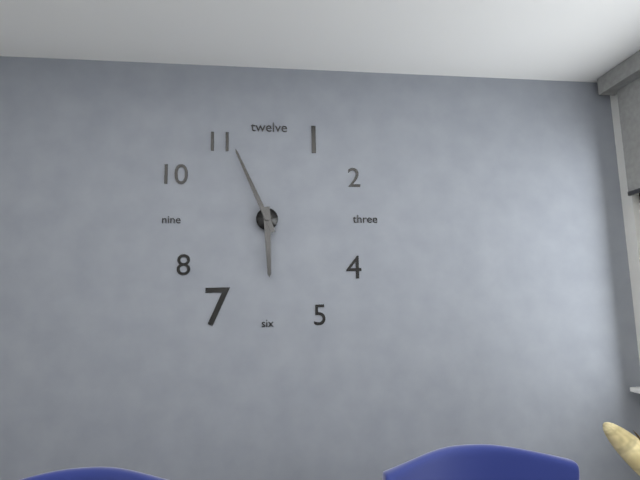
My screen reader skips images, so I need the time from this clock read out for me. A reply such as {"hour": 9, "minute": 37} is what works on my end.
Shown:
{"hour": 5, "minute": 56}
